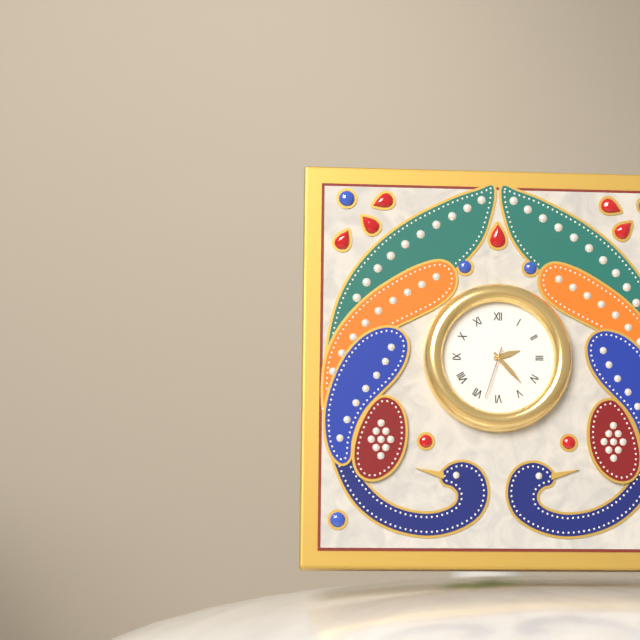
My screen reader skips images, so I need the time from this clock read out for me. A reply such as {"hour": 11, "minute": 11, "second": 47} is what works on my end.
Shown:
{"hour": 2, "minute": 23, "second": 33}
